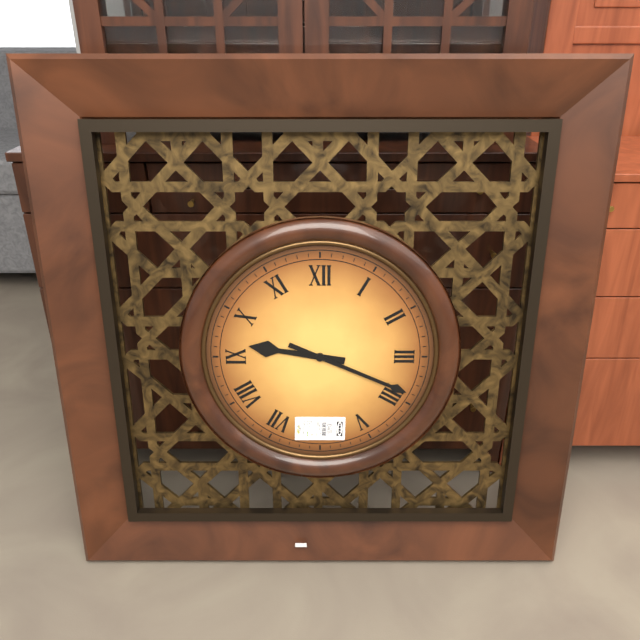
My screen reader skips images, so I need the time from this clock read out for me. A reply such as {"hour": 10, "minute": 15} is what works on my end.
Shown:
{"hour": 9, "minute": 19}
